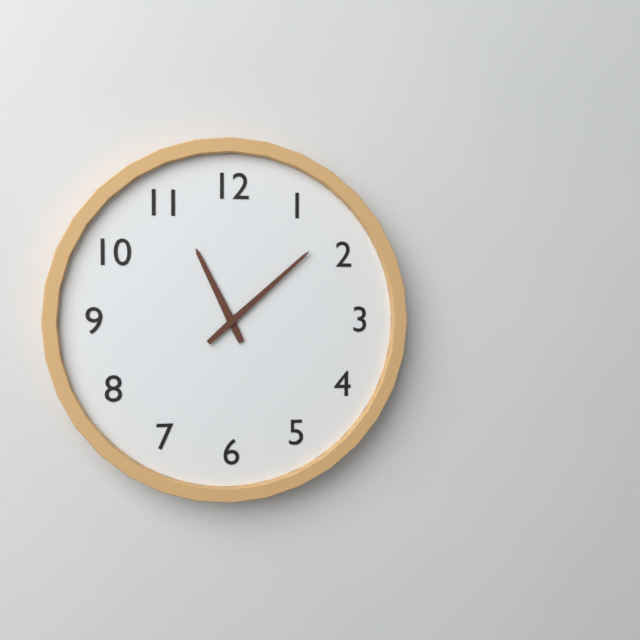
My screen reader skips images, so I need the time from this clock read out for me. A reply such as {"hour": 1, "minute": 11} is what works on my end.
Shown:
{"hour": 11, "minute": 8}
